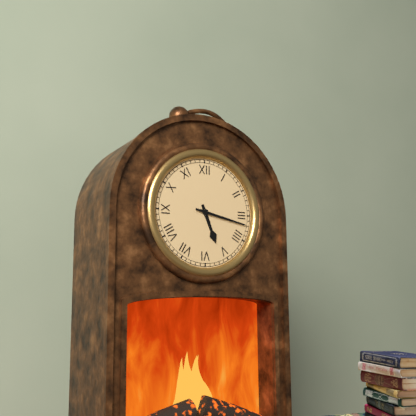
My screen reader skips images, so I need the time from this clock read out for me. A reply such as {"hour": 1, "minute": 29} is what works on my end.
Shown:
{"hour": 5, "minute": 17}
